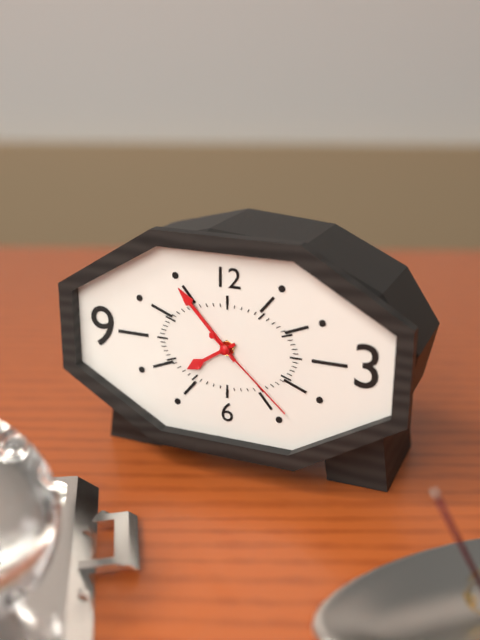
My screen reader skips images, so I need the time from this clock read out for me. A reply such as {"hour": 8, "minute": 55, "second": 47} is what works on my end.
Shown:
{"hour": 7, "minute": 53, "second": 22}
